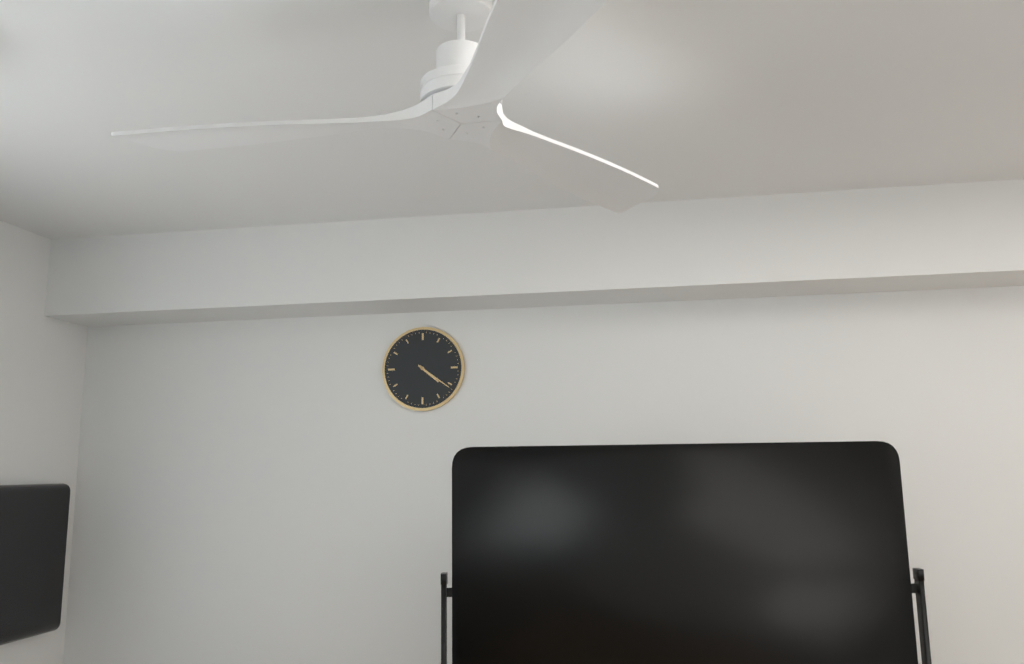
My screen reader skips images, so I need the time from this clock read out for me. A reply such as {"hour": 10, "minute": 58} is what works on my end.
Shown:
{"hour": 4, "minute": 21}
